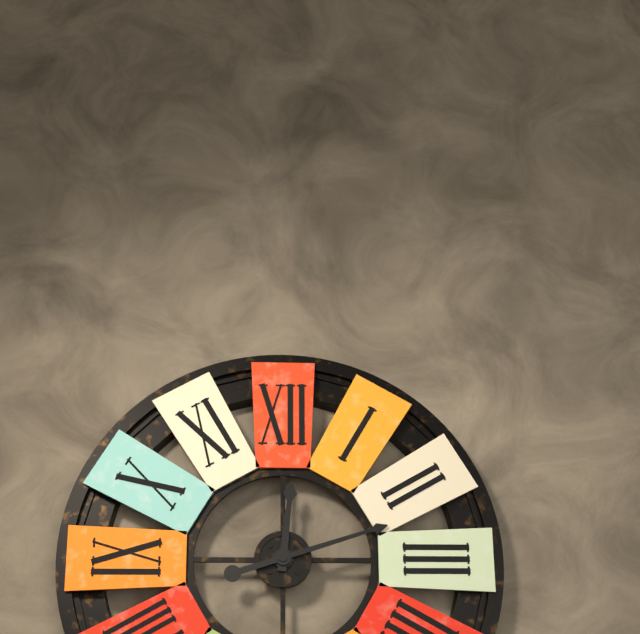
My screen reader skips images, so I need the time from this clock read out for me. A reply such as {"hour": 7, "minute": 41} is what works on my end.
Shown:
{"hour": 12, "minute": 12}
